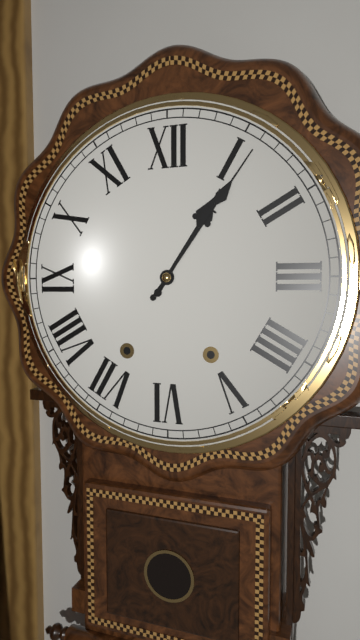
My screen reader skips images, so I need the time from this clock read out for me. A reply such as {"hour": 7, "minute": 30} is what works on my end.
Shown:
{"hour": 1, "minute": 6}
